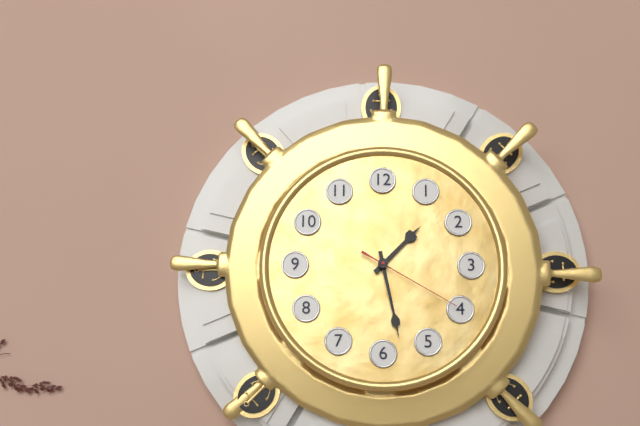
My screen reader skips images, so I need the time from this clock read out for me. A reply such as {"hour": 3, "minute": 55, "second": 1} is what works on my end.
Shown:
{"hour": 1, "minute": 28, "second": 20}
